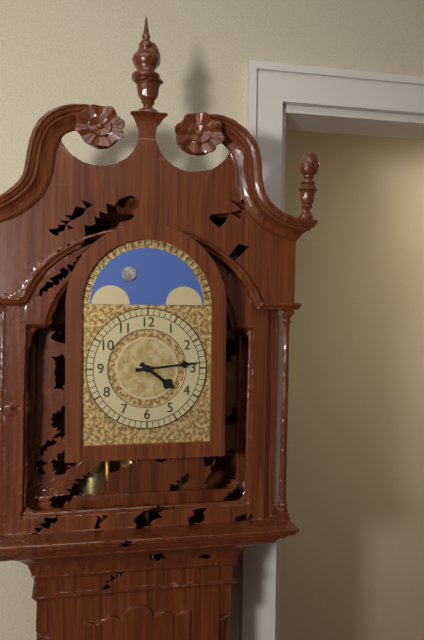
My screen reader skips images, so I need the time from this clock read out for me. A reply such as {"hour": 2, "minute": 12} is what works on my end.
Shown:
{"hour": 4, "minute": 14}
